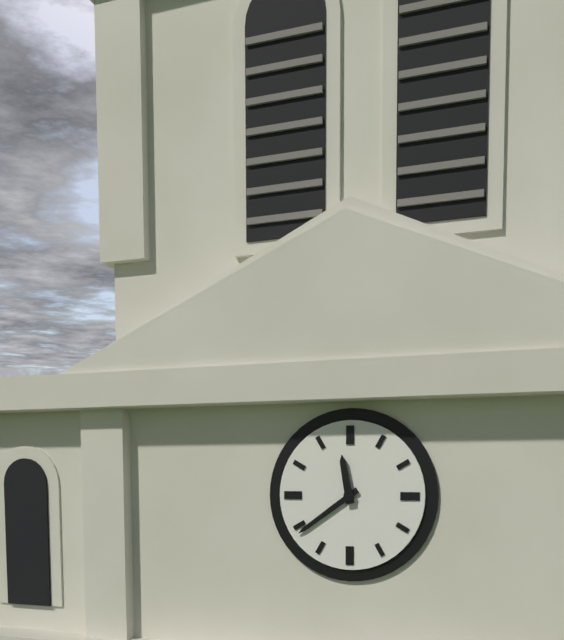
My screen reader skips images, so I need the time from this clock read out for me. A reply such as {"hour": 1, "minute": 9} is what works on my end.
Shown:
{"hour": 11, "minute": 39}
